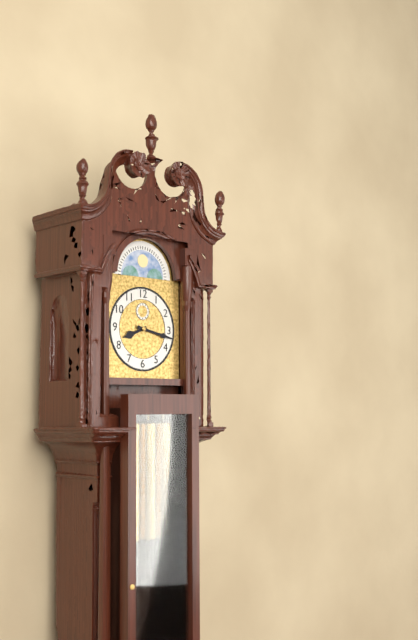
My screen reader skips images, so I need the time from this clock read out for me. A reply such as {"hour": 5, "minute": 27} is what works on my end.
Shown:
{"hour": 8, "minute": 17}
